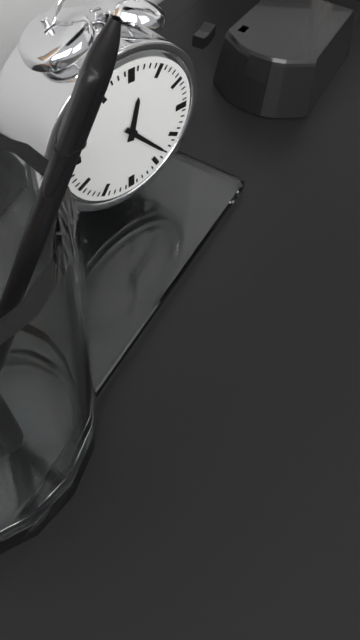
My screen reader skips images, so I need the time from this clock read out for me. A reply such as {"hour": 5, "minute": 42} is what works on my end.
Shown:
{"hour": 12, "minute": 23}
